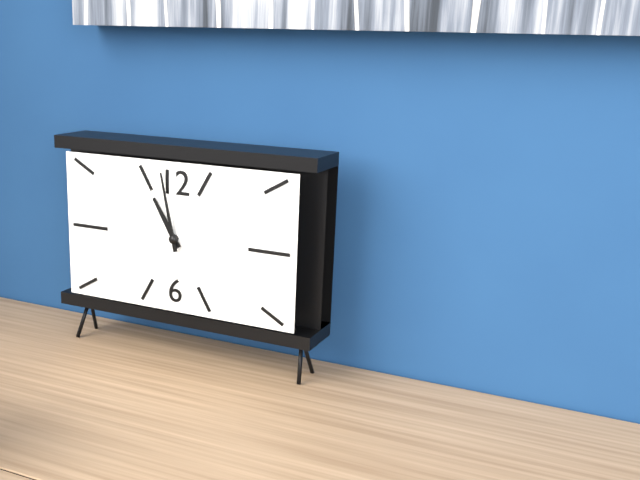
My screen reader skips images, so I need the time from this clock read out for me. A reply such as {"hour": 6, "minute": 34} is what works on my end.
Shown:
{"hour": 10, "minute": 58}
